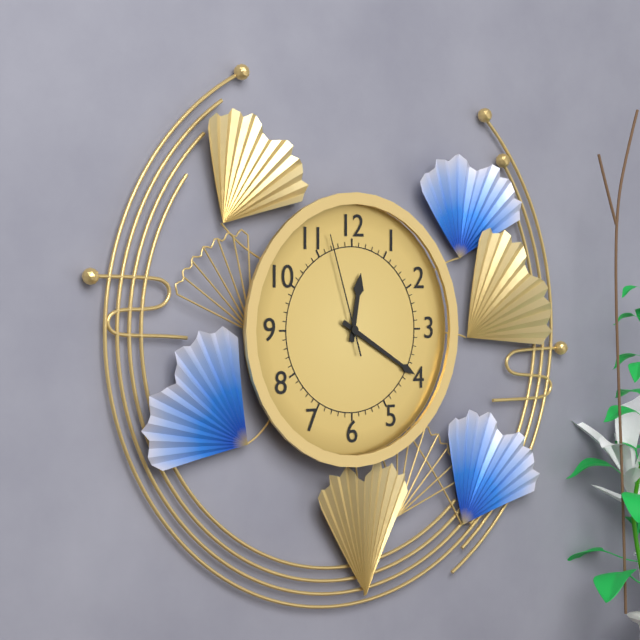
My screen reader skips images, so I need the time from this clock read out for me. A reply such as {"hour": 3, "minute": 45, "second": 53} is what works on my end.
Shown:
{"hour": 12, "minute": 20, "second": 57}
